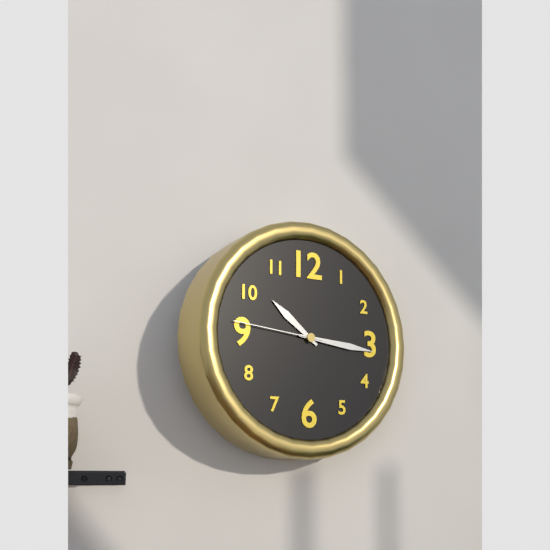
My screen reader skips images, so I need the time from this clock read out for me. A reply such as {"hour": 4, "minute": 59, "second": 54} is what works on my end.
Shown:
{"hour": 10, "minute": 16, "second": 46}
